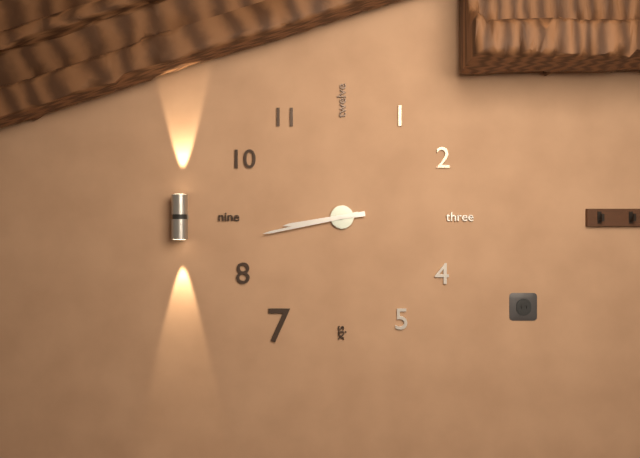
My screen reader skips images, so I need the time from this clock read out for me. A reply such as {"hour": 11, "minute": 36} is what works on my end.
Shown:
{"hour": 8, "minute": 43}
